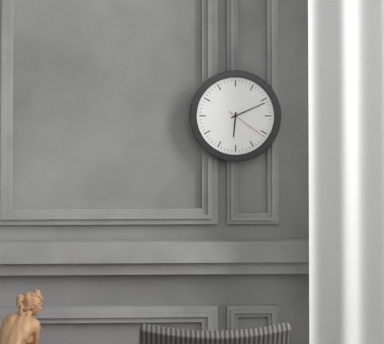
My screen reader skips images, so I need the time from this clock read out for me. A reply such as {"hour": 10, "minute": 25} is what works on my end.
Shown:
{"hour": 6, "minute": 11}
